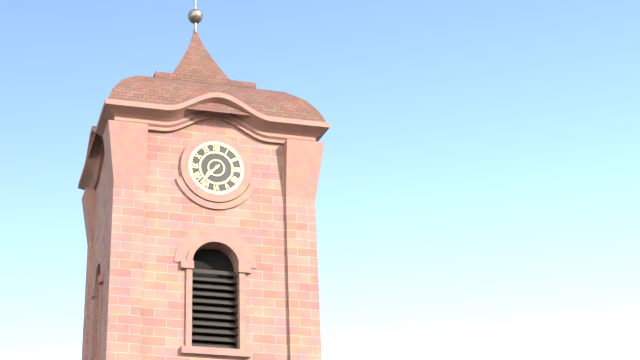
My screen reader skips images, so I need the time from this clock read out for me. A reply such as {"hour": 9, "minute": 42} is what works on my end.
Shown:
{"hour": 7, "minute": 37}
